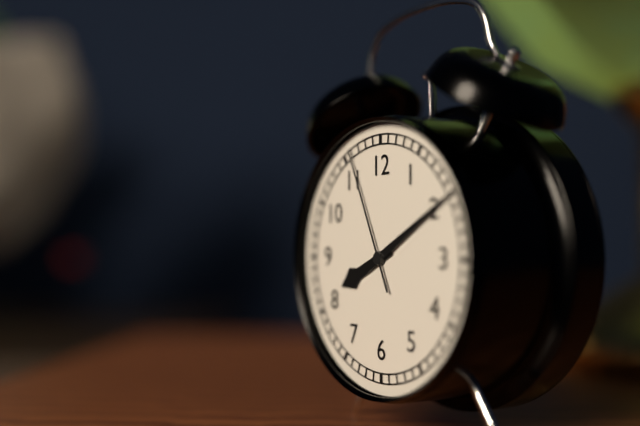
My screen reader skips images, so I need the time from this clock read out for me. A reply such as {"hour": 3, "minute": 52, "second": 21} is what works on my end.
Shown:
{"hour": 8, "minute": 10, "second": 56}
